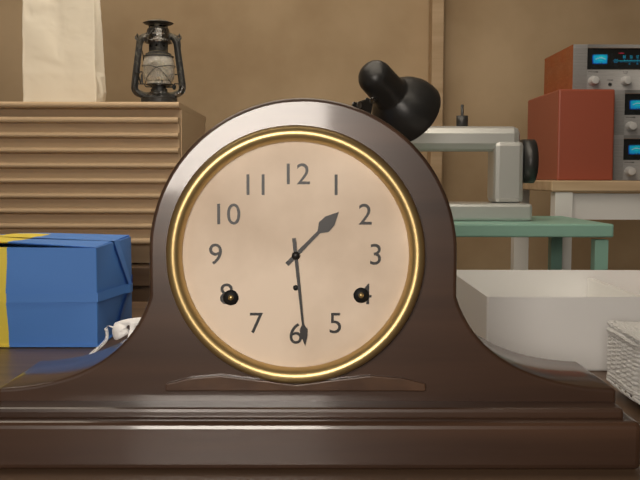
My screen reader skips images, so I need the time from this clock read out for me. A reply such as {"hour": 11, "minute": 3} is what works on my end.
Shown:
{"hour": 1, "minute": 29}
